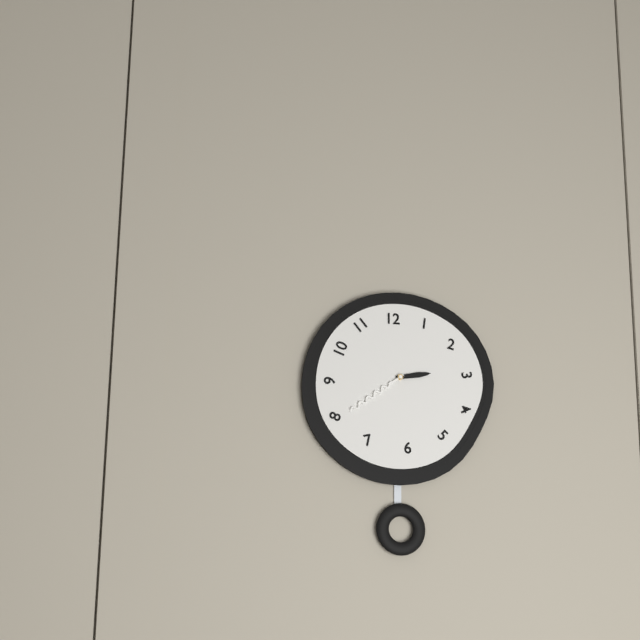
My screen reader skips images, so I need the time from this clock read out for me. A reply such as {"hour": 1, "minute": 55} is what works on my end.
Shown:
{"hour": 2, "minute": 39}
